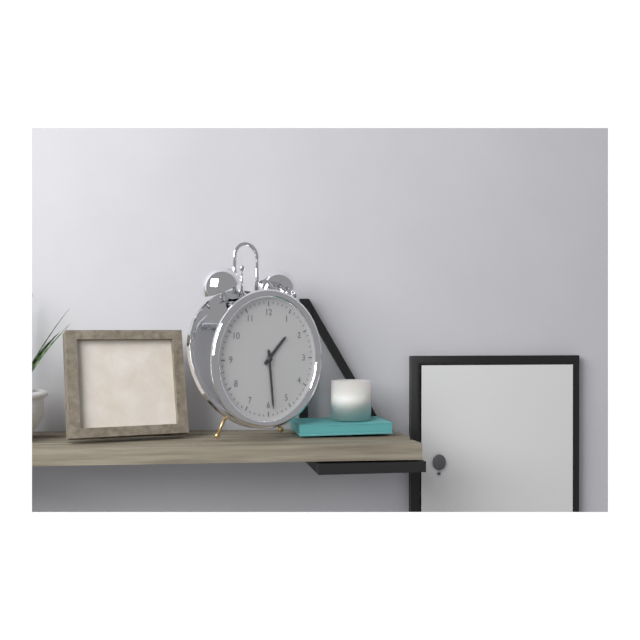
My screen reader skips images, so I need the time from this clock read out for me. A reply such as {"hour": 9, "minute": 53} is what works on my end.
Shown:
{"hour": 1, "minute": 29}
